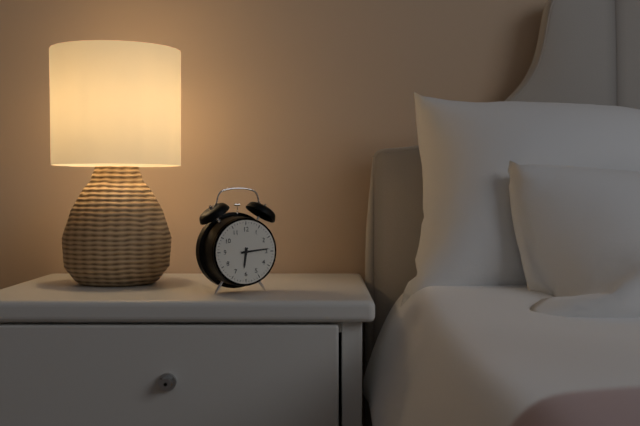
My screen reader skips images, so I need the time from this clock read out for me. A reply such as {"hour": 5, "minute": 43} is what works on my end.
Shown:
{"hour": 6, "minute": 14}
